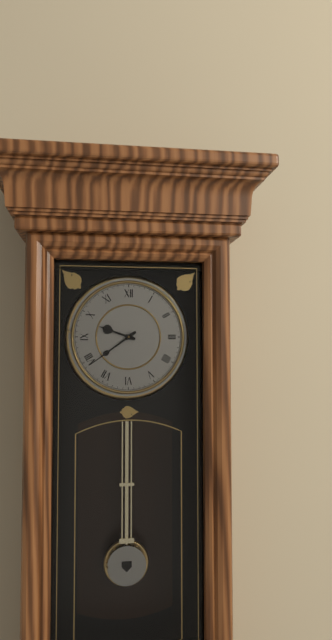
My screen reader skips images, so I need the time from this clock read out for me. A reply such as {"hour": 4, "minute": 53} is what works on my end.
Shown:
{"hour": 9, "minute": 39}
